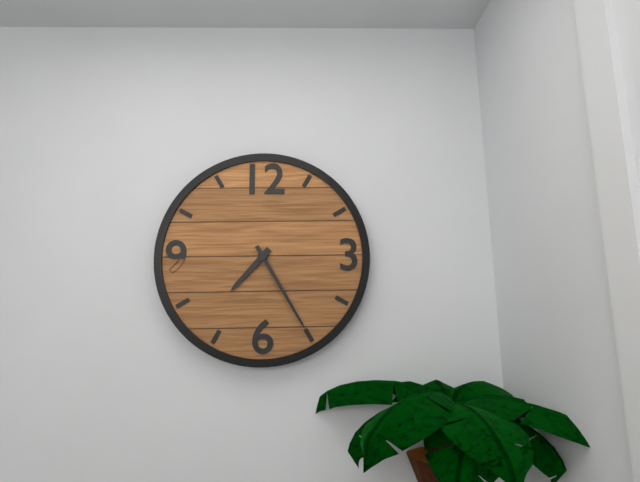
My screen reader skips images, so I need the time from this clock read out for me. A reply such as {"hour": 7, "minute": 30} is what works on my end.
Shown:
{"hour": 7, "minute": 25}
